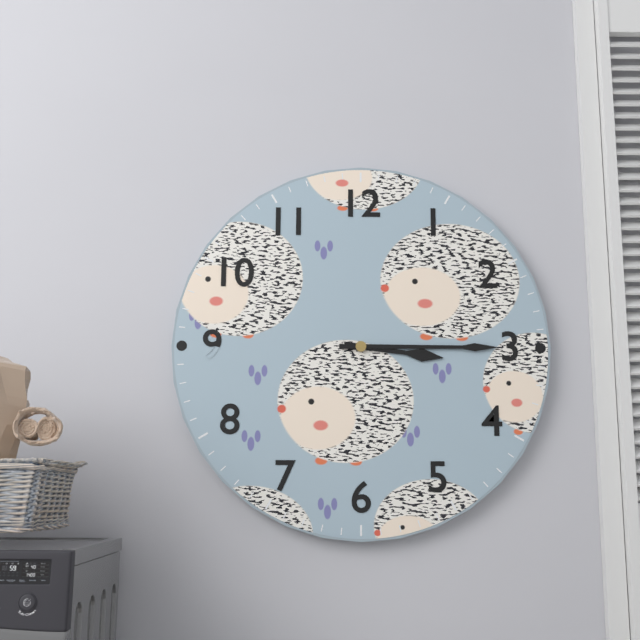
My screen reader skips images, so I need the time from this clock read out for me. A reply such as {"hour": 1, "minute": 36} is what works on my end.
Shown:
{"hour": 3, "minute": 15}
